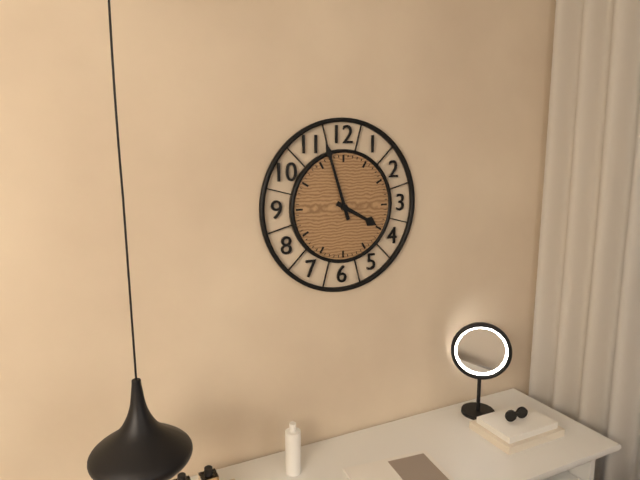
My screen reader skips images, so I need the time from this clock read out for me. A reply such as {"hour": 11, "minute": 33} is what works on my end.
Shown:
{"hour": 3, "minute": 57}
